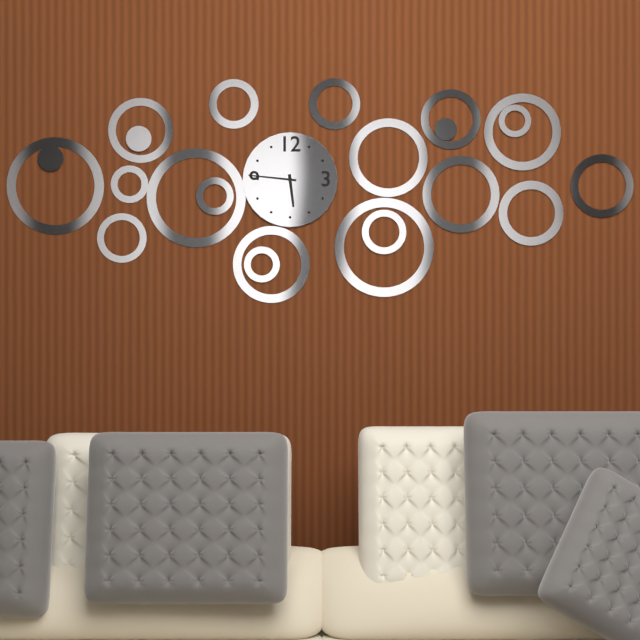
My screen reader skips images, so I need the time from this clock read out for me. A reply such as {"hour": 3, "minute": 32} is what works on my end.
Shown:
{"hour": 5, "minute": 46}
